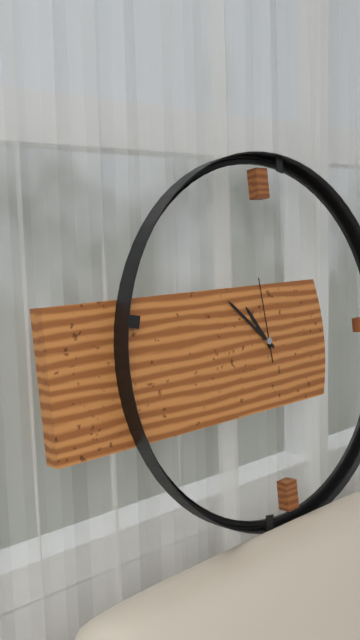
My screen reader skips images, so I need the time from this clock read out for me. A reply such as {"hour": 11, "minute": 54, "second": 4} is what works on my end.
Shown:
{"hour": 10, "minute": 52, "second": 59}
